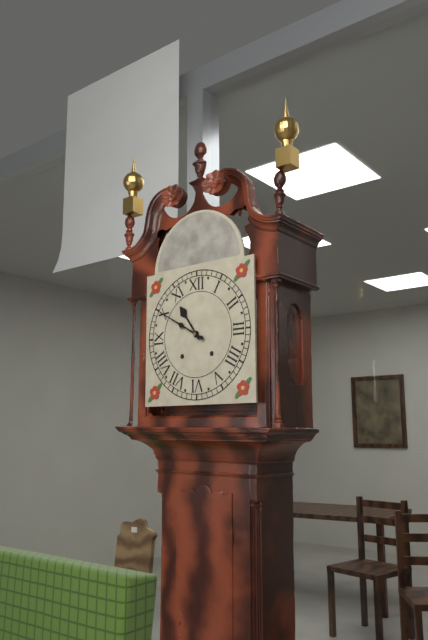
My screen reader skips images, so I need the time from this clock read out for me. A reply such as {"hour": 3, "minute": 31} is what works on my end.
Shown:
{"hour": 10, "minute": 50}
